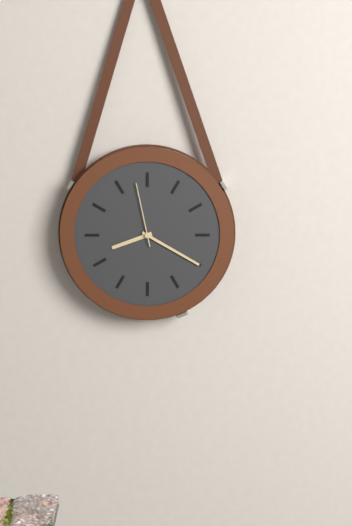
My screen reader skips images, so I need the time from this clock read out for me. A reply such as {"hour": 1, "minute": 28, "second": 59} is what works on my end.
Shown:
{"hour": 8, "minute": 20, "second": 58}
